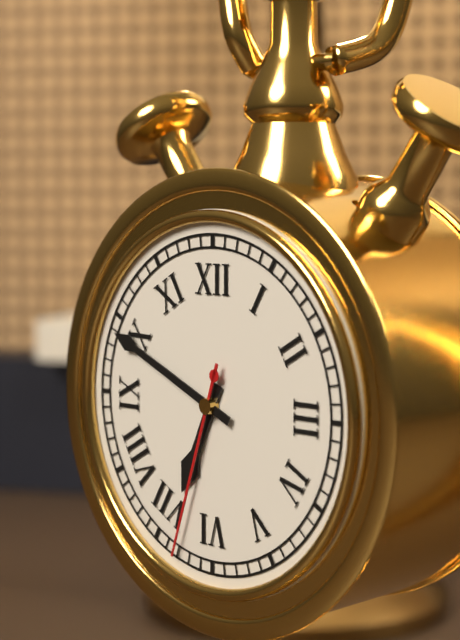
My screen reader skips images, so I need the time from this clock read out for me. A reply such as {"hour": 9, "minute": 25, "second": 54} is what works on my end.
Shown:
{"hour": 6, "minute": 49, "second": 33}
